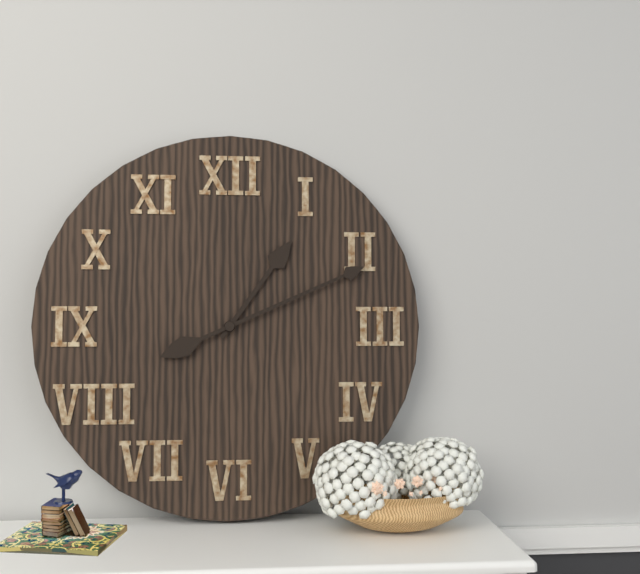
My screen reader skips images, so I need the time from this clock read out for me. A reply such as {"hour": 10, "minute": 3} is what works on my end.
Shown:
{"hour": 1, "minute": 11}
